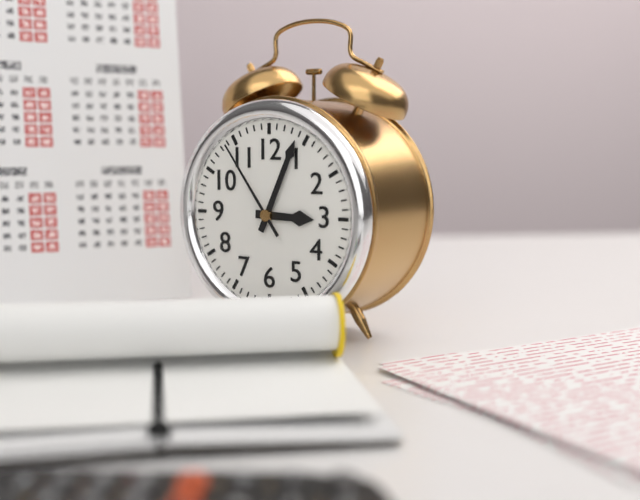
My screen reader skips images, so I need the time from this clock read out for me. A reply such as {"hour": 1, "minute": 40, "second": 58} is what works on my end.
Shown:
{"hour": 3, "minute": 4, "second": 54}
